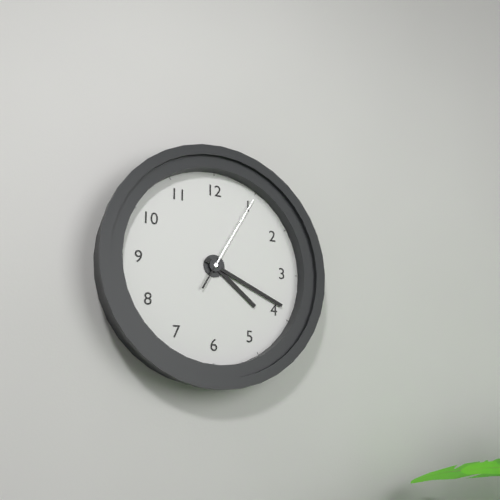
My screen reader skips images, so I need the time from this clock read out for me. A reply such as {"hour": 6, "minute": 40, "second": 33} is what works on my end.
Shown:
{"hour": 4, "minute": 19, "second": 5}
